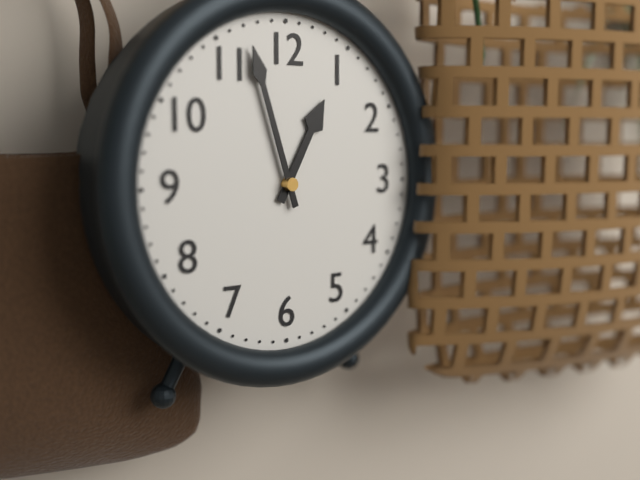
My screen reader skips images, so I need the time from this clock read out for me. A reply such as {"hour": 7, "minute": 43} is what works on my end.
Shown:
{"hour": 12, "minute": 57}
